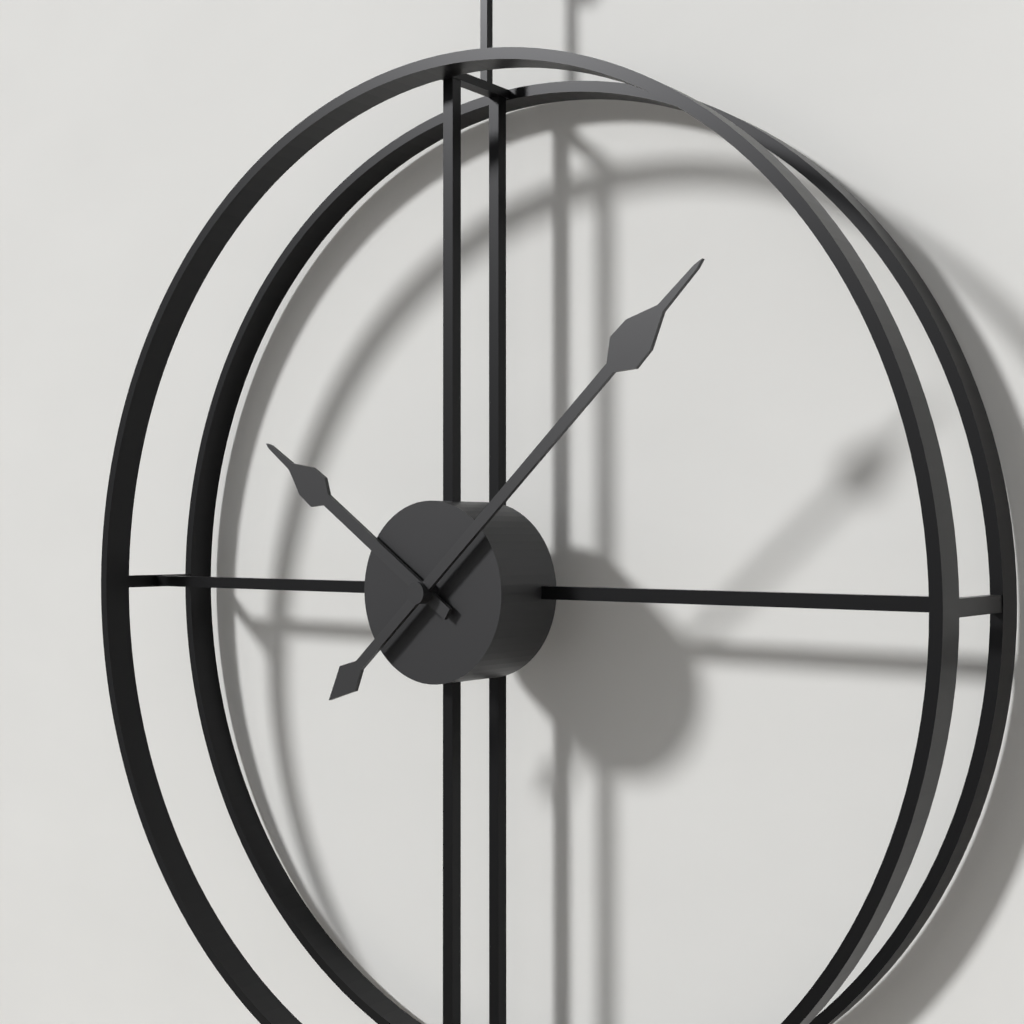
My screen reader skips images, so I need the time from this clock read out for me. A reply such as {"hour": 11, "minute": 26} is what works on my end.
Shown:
{"hour": 10, "minute": 8}
